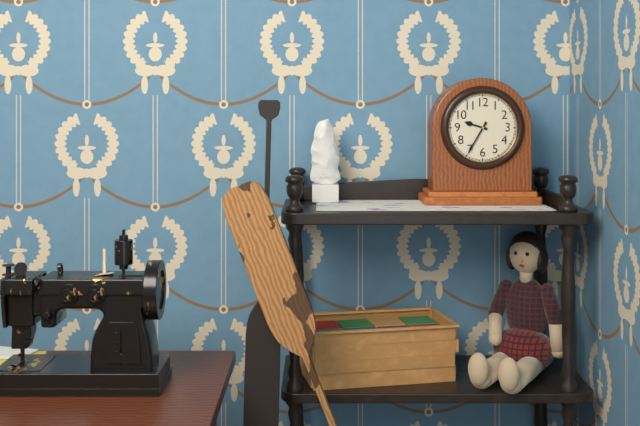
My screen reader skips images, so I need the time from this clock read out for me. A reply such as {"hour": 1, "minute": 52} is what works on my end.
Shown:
{"hour": 9, "minute": 35}
